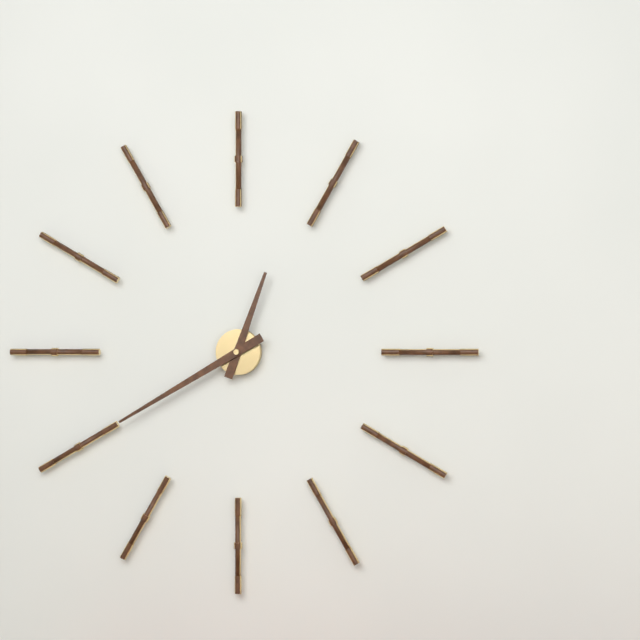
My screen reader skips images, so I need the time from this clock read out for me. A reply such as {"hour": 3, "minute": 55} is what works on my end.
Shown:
{"hour": 12, "minute": 40}
